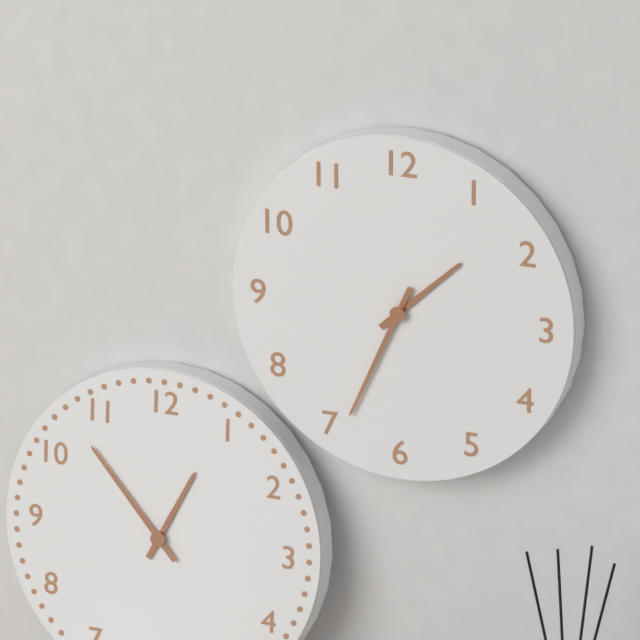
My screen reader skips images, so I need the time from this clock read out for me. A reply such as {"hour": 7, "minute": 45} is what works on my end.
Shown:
{"hour": 1, "minute": 34}
